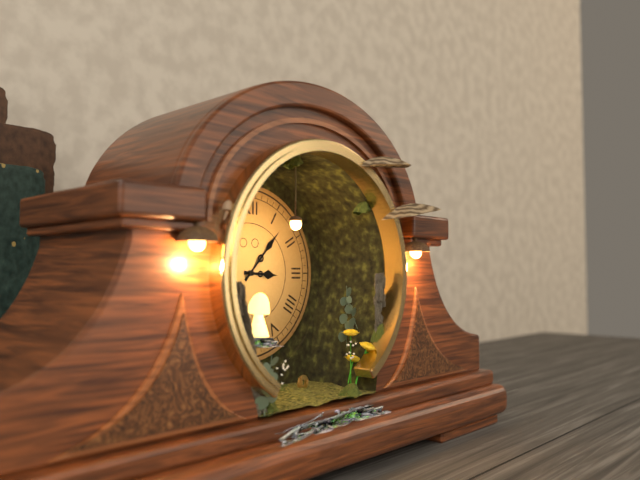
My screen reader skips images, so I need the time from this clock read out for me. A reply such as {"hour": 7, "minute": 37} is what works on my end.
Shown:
{"hour": 3, "minute": 7}
